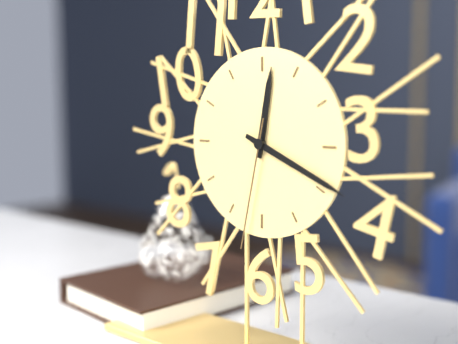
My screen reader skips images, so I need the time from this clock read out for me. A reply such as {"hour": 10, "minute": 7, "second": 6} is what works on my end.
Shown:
{"hour": 12, "minute": 19, "second": 32}
